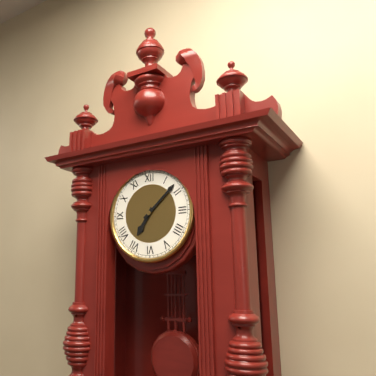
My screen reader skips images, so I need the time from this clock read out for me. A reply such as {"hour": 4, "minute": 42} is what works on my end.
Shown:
{"hour": 7, "minute": 8}
